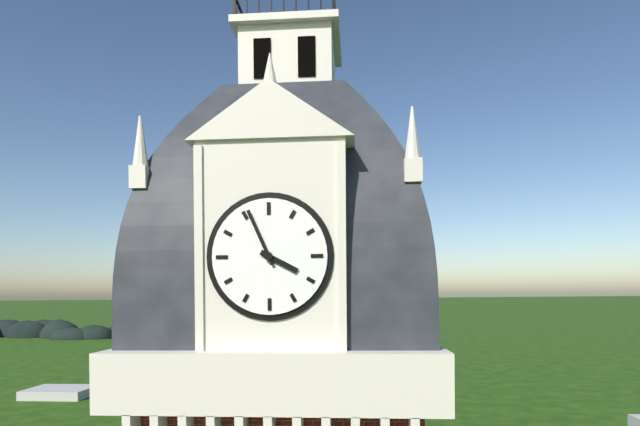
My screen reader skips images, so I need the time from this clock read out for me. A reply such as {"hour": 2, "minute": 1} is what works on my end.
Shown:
{"hour": 3, "minute": 56}
